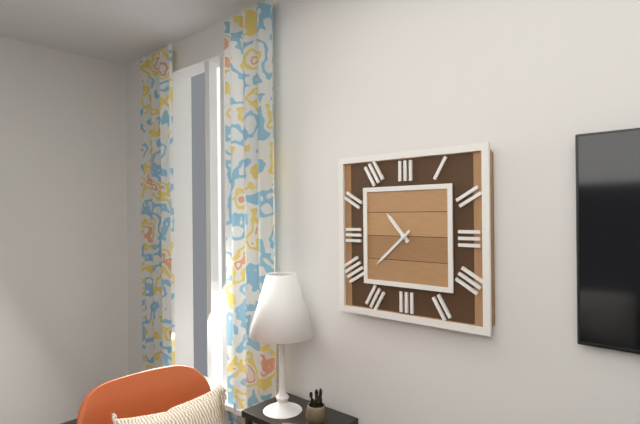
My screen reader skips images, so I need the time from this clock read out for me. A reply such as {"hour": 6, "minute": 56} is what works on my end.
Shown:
{"hour": 10, "minute": 38}
